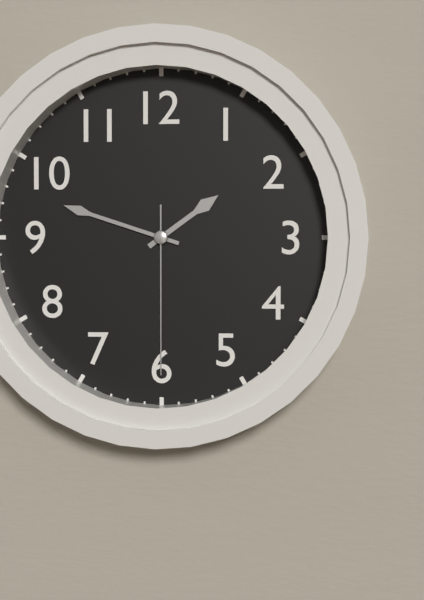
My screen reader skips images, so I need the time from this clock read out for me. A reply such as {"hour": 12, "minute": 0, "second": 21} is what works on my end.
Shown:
{"hour": 1, "minute": 48, "second": 30}
